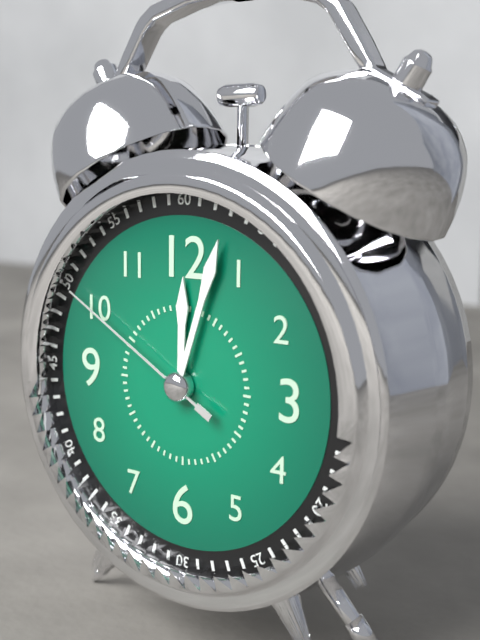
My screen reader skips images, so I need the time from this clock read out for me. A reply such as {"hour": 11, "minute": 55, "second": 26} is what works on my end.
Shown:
{"hour": 12, "minute": 3, "second": 50}
